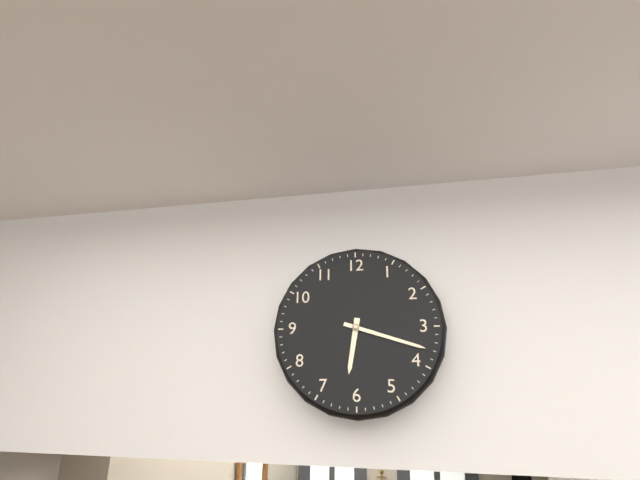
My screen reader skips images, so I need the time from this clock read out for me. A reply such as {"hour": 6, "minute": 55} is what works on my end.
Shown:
{"hour": 6, "minute": 18}
